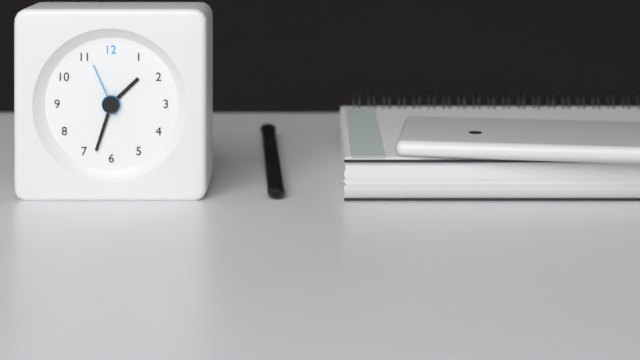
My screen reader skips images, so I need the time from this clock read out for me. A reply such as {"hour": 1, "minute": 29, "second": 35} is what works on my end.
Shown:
{"hour": 1, "minute": 33, "second": 56}
